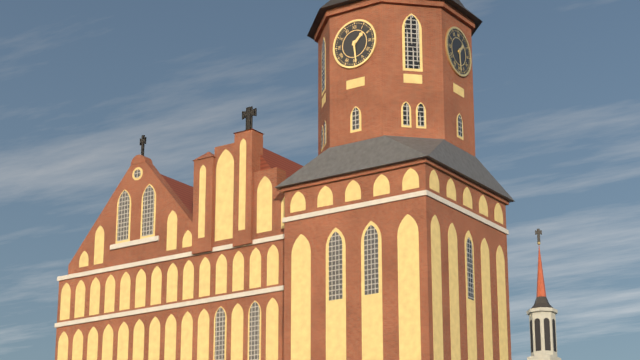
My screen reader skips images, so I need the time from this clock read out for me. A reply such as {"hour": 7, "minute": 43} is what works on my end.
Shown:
{"hour": 1, "minute": 29}
